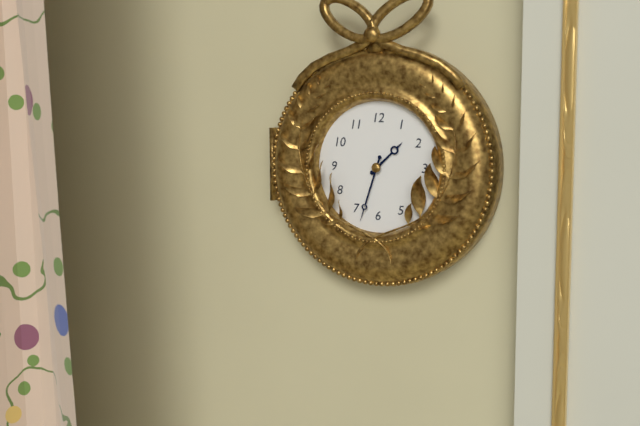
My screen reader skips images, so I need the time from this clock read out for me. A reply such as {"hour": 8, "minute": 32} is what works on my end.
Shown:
{"hour": 1, "minute": 33}
